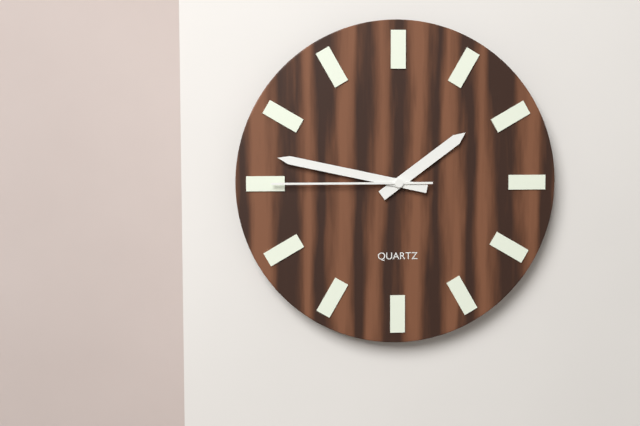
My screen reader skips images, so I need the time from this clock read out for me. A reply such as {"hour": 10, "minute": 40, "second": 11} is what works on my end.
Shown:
{"hour": 1, "minute": 47, "second": 45}
